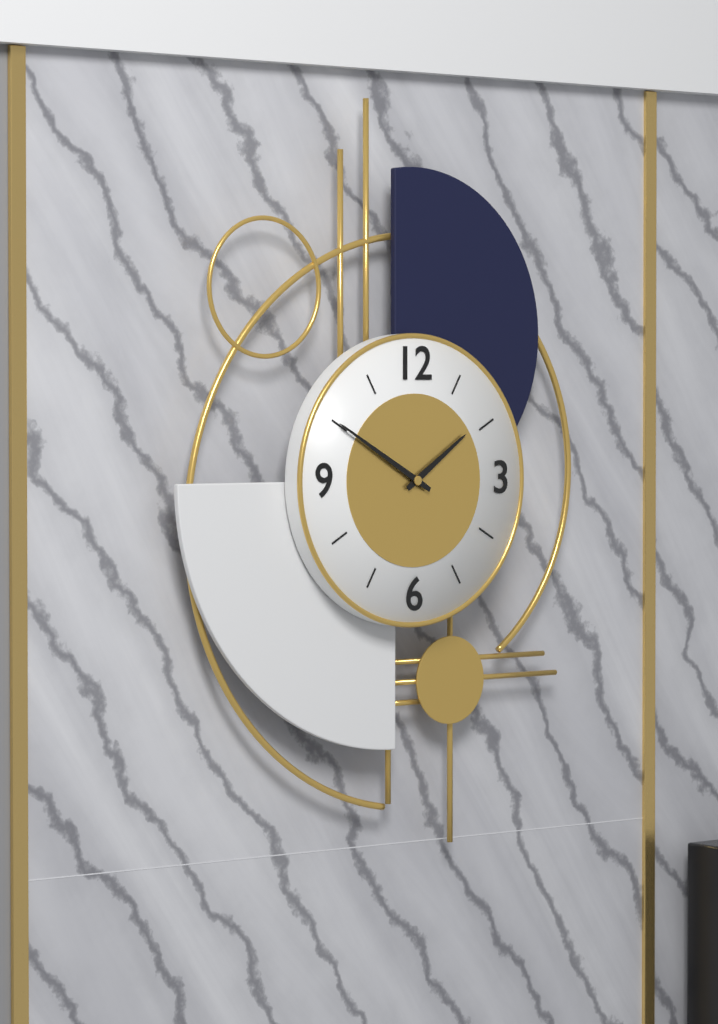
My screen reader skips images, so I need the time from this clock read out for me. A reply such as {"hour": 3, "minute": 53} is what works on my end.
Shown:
{"hour": 1, "minute": 50}
